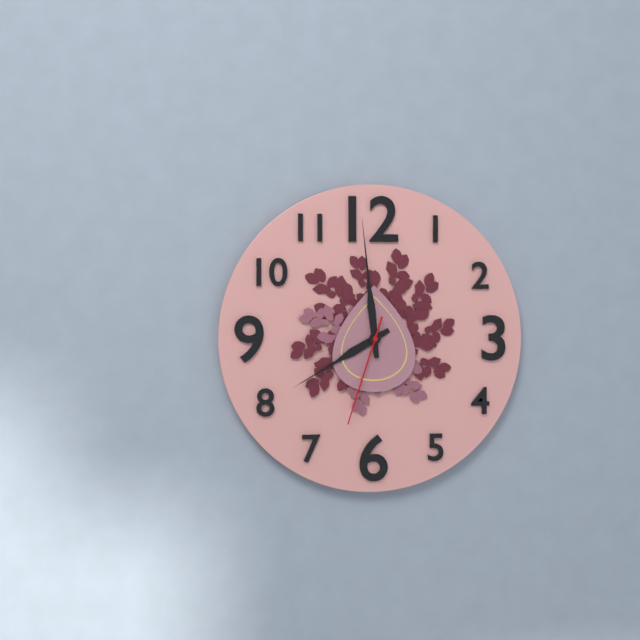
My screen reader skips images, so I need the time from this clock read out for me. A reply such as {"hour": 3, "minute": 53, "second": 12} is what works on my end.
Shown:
{"hour": 7, "minute": 59, "second": 33}
